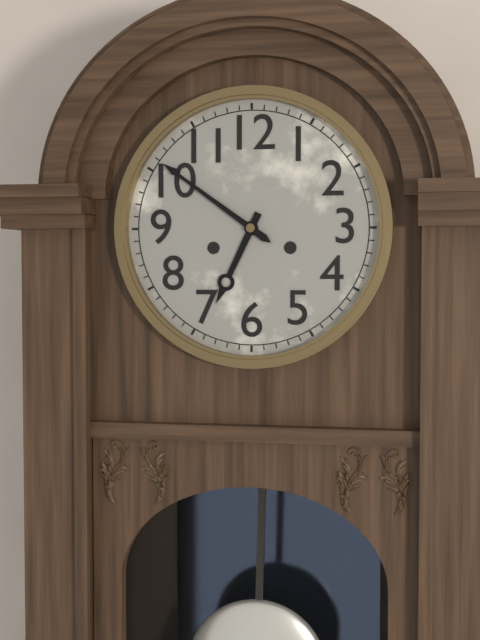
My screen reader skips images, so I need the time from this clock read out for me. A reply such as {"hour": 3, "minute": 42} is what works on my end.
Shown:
{"hour": 6, "minute": 51}
